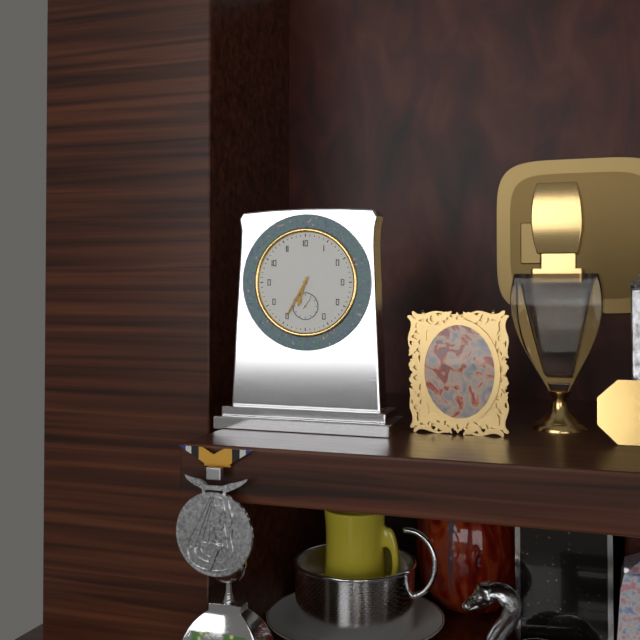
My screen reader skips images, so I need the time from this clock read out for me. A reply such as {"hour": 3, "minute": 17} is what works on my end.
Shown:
{"hour": 6, "minute": 35}
